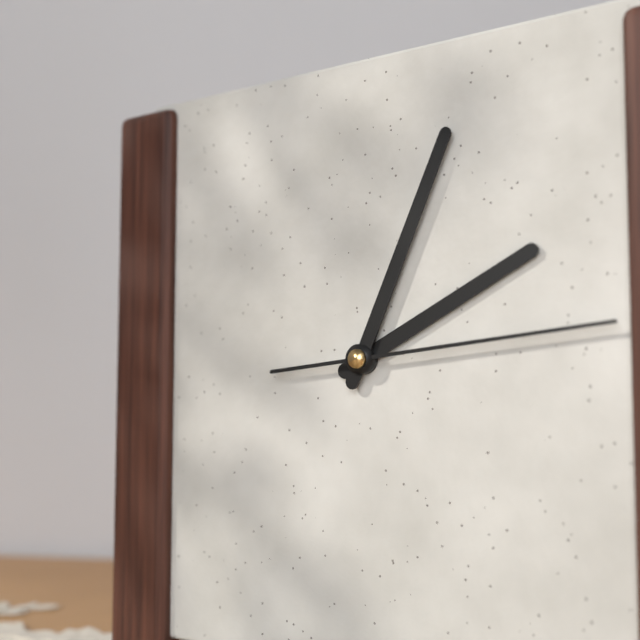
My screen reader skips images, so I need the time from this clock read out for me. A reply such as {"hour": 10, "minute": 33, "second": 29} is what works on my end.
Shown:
{"hour": 2, "minute": 4, "second": 14}
